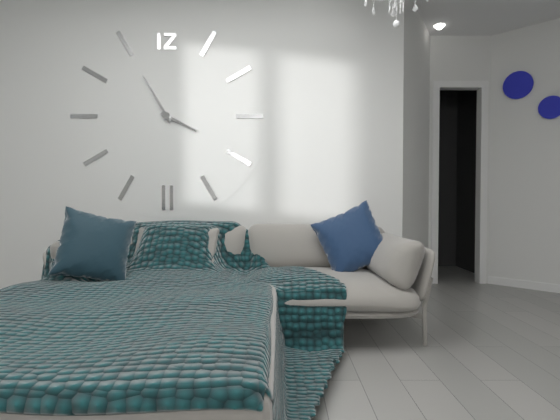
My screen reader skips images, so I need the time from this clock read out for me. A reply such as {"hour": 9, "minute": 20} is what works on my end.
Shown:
{"hour": 3, "minute": 55}
